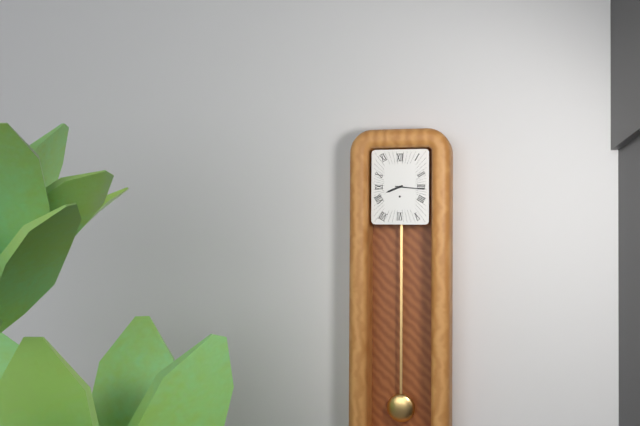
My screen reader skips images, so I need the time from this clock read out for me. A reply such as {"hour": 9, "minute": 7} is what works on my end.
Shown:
{"hour": 8, "minute": 16}
